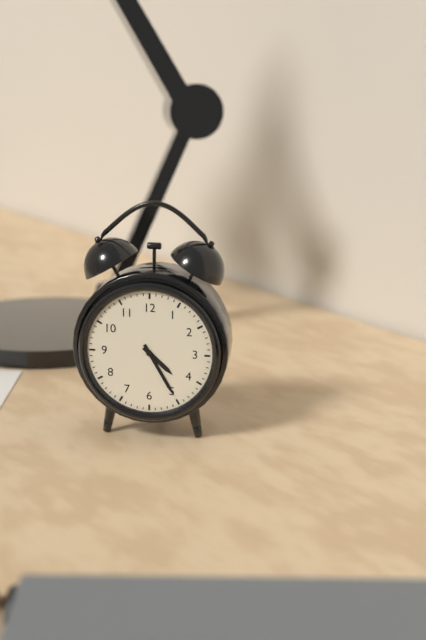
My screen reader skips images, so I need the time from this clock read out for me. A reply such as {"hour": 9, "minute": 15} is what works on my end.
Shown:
{"hour": 4, "minute": 25}
